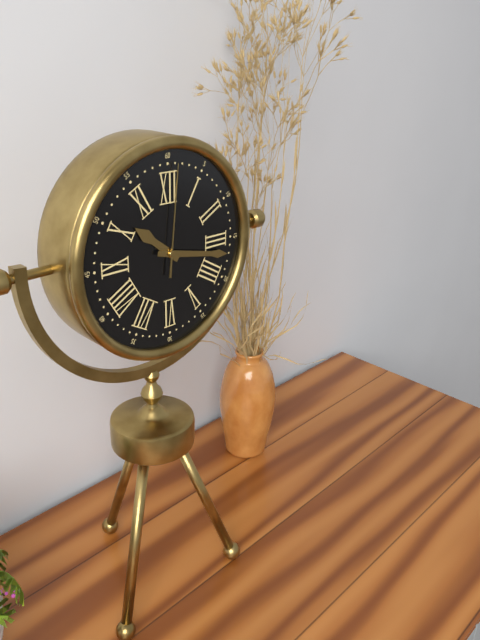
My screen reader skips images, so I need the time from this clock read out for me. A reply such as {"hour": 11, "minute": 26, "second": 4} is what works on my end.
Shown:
{"hour": 10, "minute": 17, "second": 1}
